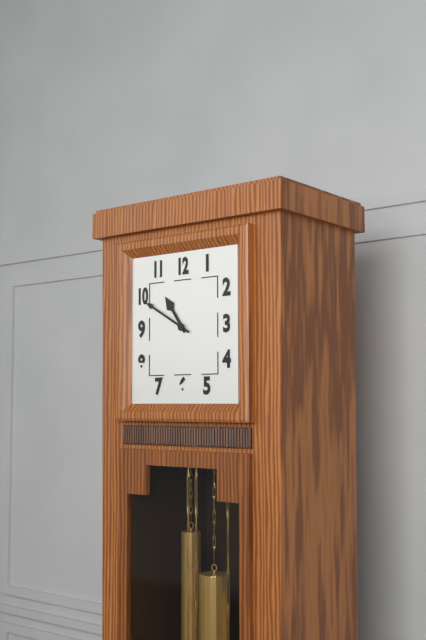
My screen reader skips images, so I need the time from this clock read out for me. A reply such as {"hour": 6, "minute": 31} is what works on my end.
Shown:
{"hour": 10, "minute": 50}
